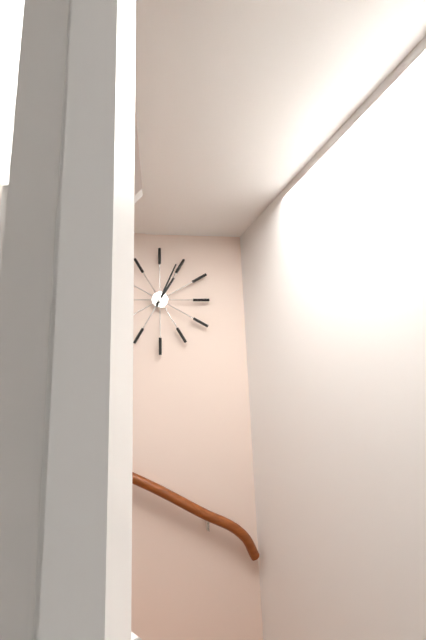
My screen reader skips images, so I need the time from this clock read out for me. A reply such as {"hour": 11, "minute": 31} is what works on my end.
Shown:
{"hour": 1, "minute": 4}
